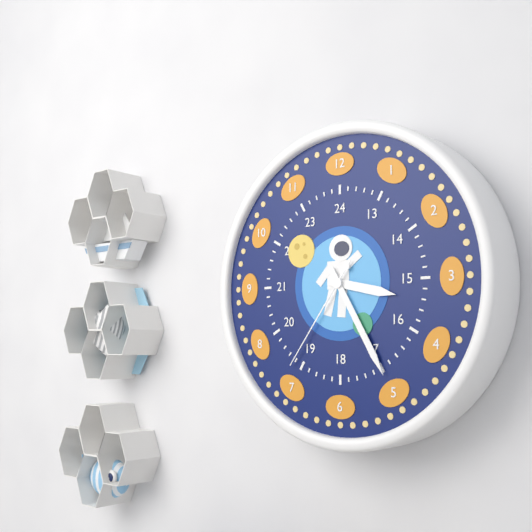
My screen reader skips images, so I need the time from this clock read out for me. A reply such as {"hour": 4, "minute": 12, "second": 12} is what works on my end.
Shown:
{"hour": 3, "minute": 25, "second": 36}
